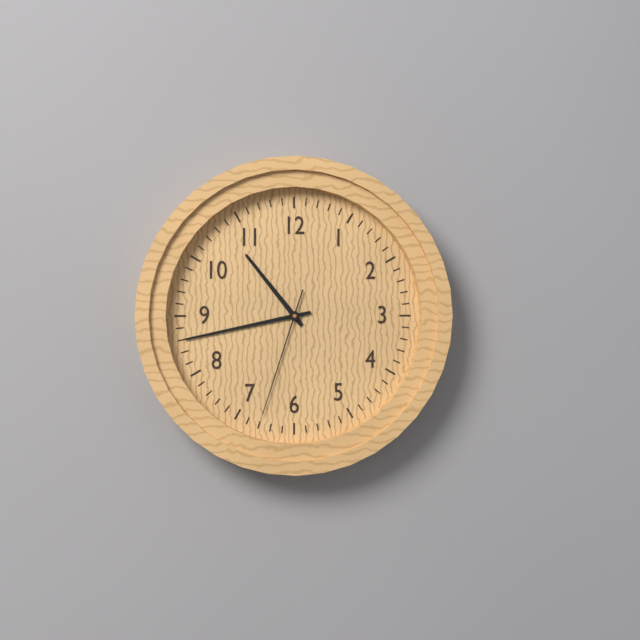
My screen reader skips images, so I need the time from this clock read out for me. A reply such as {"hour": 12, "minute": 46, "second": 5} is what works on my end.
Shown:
{"hour": 10, "minute": 43, "second": 33}
